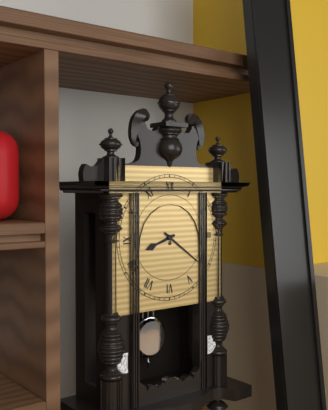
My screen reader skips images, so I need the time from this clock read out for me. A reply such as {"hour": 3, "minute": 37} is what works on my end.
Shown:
{"hour": 8, "minute": 21}
